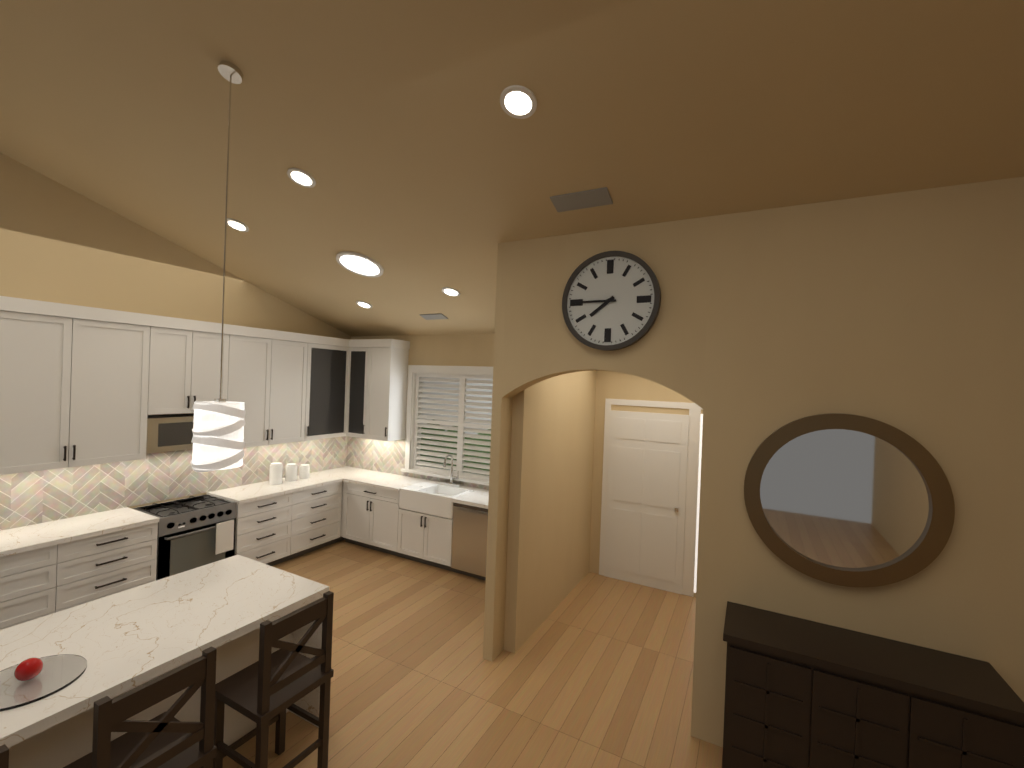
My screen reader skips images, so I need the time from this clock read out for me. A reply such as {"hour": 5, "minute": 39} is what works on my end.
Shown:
{"hour": 7, "minute": 45}
